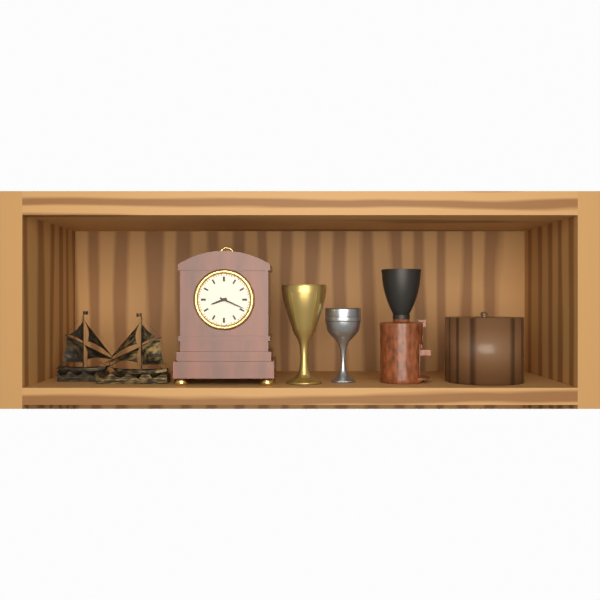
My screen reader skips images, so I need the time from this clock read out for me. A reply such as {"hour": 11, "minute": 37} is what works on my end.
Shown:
{"hour": 8, "minute": 19}
